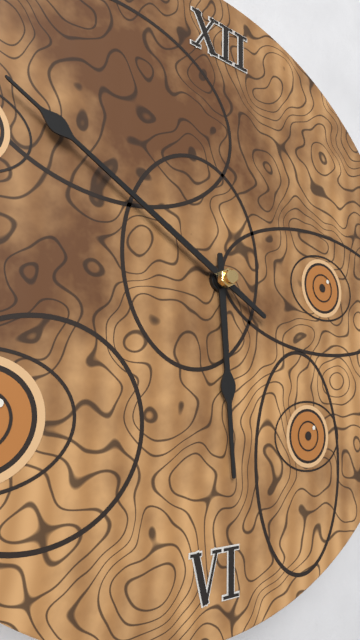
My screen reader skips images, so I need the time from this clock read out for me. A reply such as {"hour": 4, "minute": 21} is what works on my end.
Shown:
{"hour": 5, "minute": 50}
